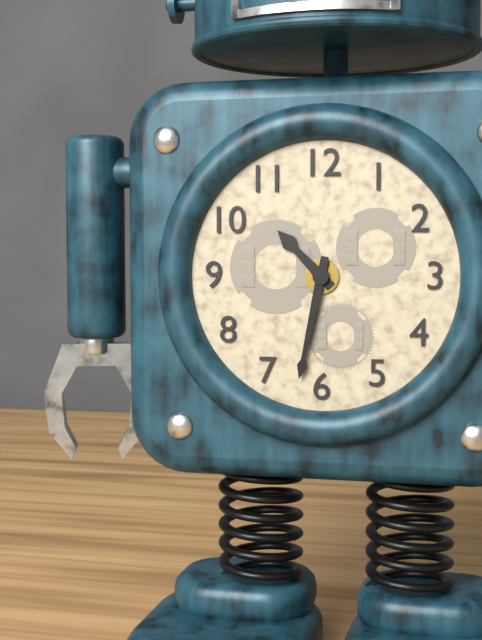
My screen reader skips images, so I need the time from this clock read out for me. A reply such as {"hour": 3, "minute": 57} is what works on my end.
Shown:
{"hour": 10, "minute": 32}
